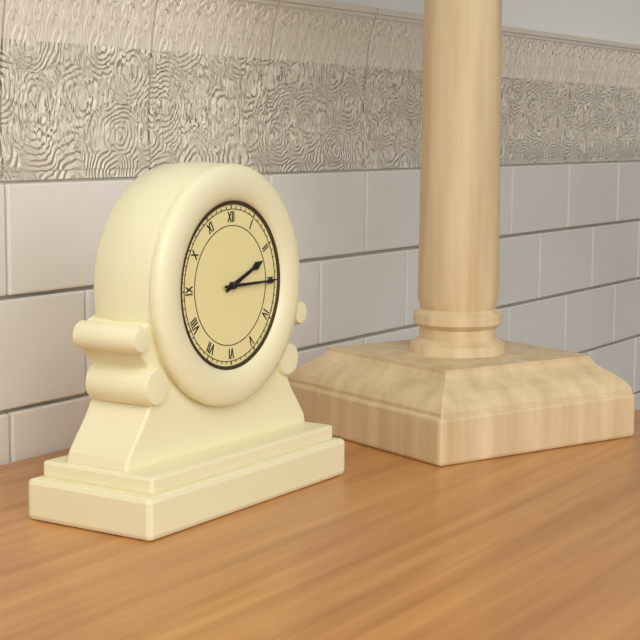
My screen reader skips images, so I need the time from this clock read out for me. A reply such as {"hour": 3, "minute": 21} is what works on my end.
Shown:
{"hour": 2, "minute": 15}
